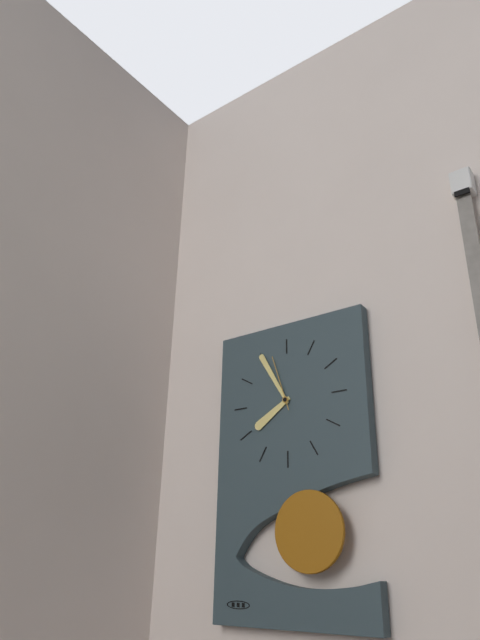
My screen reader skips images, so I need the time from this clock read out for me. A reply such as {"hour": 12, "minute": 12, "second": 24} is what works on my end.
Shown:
{"hour": 7, "minute": 55, "second": 57}
